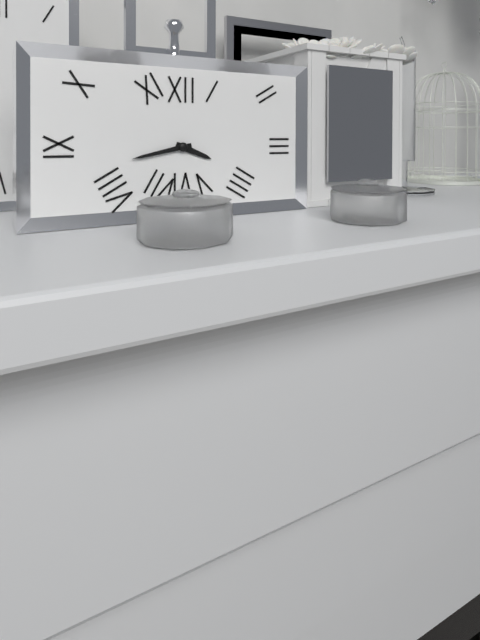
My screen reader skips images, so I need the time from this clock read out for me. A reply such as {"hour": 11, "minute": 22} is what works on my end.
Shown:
{"hour": 3, "minute": 43}
